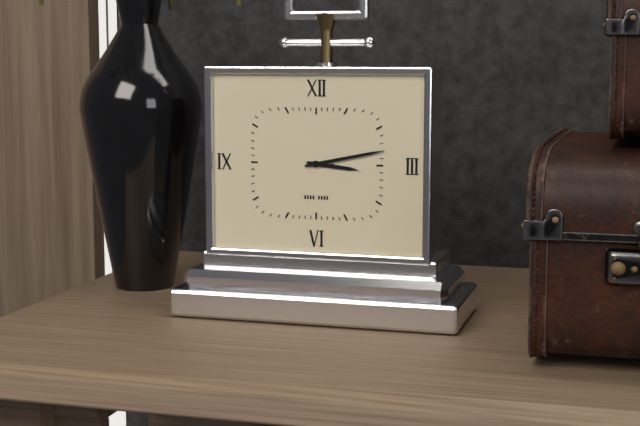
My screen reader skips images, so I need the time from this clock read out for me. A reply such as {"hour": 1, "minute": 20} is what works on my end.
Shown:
{"hour": 3, "minute": 13}
